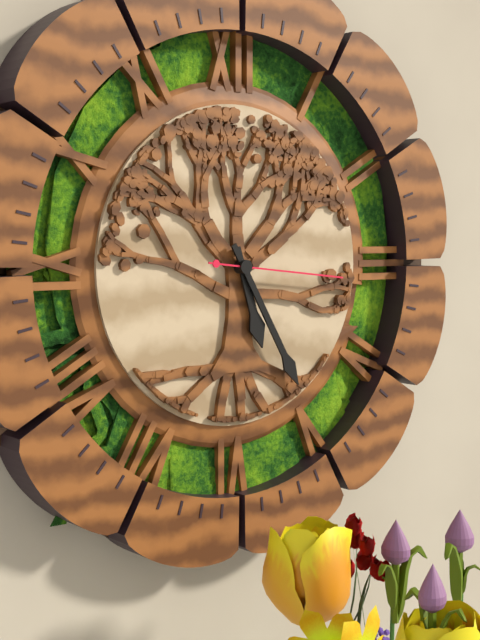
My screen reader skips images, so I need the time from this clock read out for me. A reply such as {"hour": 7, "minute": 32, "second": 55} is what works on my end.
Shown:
{"hour": 5, "minute": 25, "second": 16}
